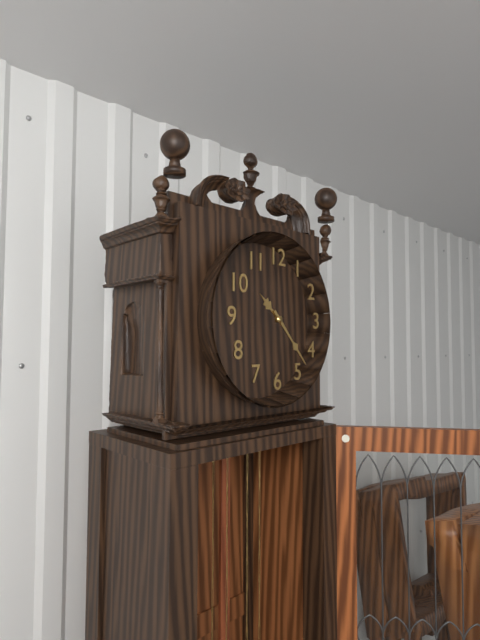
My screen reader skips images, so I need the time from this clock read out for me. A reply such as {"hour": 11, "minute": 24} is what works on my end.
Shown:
{"hour": 10, "minute": 23}
